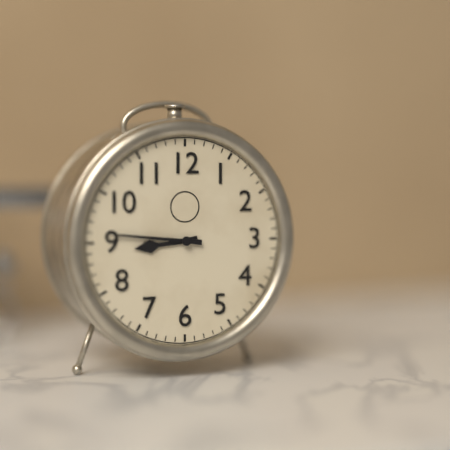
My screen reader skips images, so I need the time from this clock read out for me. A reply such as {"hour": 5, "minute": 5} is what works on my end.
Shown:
{"hour": 8, "minute": 46}
